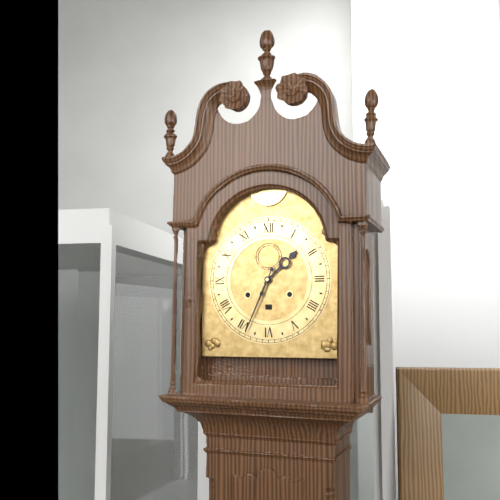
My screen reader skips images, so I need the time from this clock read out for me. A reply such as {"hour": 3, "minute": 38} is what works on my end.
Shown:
{"hour": 1, "minute": 34}
